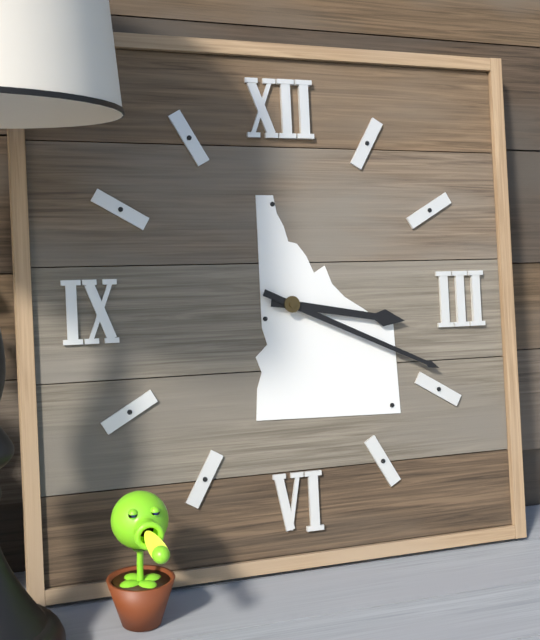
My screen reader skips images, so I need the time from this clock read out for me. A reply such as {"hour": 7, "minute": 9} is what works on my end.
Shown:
{"hour": 3, "minute": 19}
